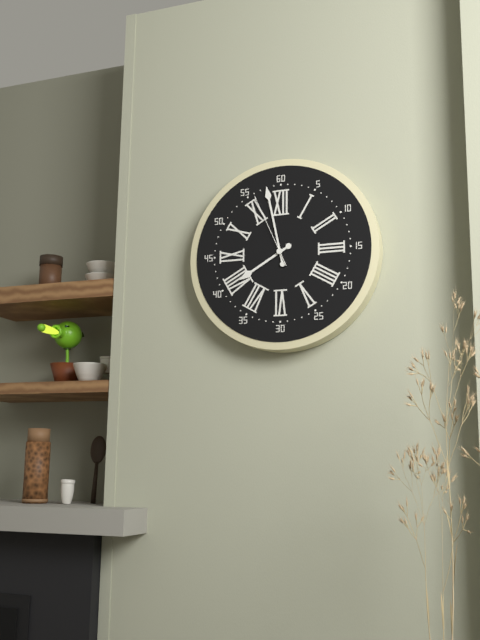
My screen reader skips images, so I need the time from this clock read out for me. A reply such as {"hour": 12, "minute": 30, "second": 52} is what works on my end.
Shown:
{"hour": 7, "minute": 58, "second": 56}
